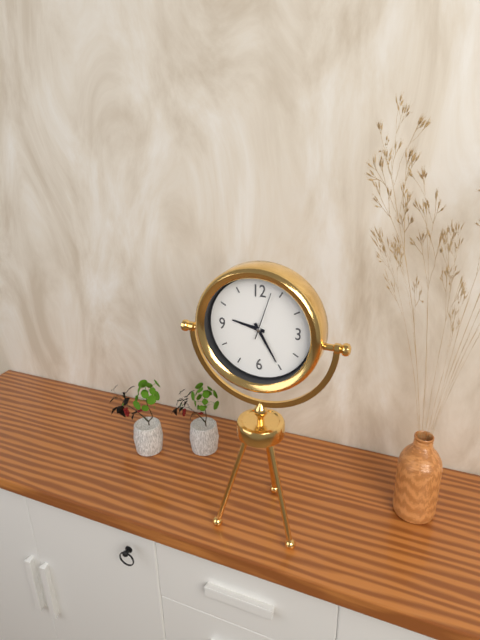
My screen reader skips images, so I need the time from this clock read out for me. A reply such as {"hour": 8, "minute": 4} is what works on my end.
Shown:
{"hour": 9, "minute": 25}
